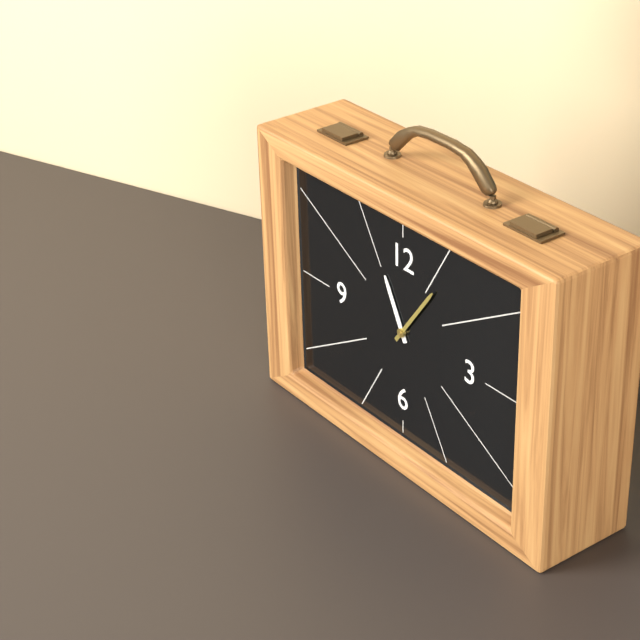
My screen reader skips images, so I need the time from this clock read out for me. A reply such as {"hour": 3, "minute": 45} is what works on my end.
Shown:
{"hour": 11, "minute": 6}
